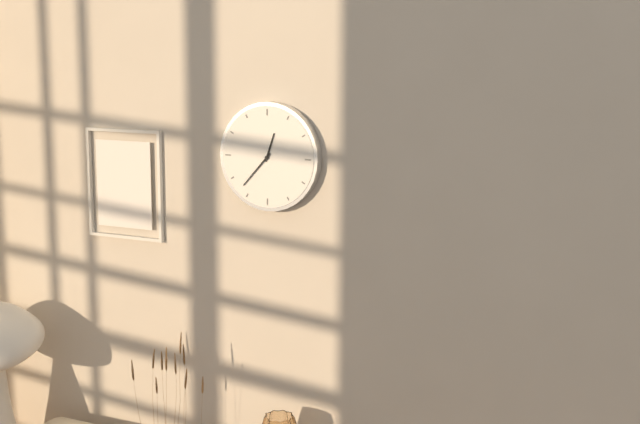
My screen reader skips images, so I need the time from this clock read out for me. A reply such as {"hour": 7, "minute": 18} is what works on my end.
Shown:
{"hour": 12, "minute": 37}
